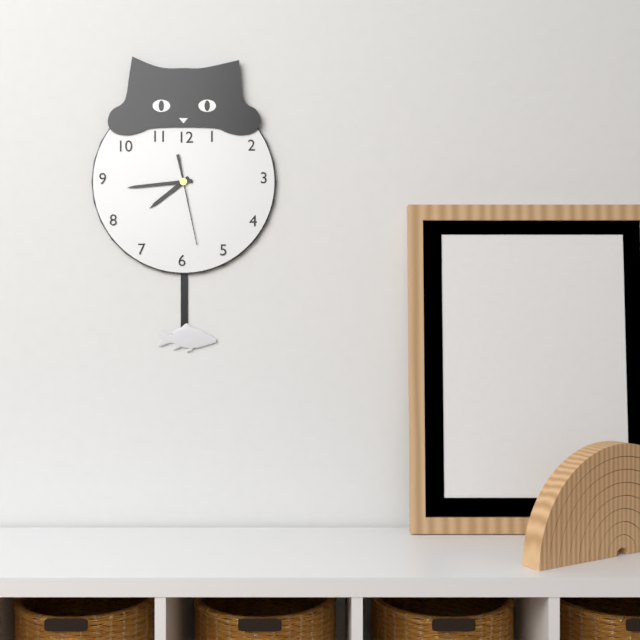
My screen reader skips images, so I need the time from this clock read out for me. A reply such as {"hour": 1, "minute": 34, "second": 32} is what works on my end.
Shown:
{"hour": 7, "minute": 44, "second": 28}
